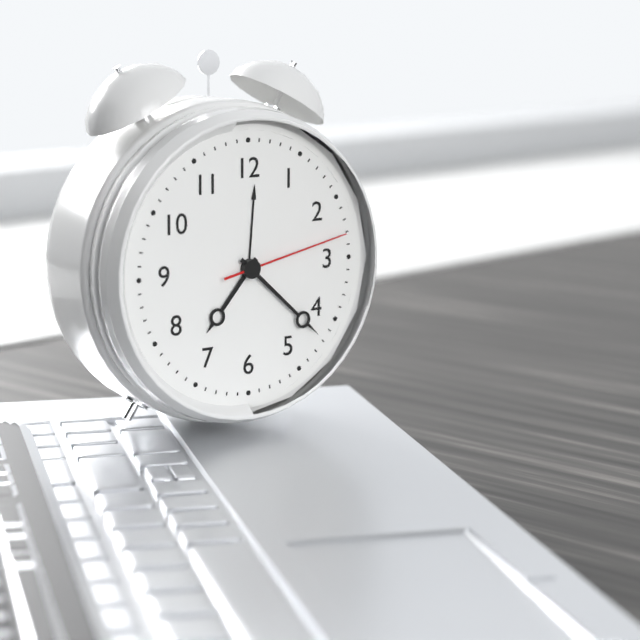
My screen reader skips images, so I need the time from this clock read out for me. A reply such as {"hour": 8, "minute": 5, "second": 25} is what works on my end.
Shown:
{"hour": 7, "minute": 22, "second": 13}
